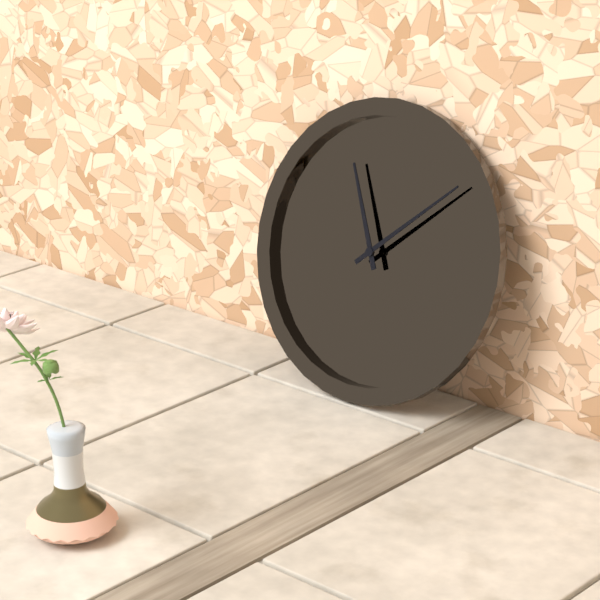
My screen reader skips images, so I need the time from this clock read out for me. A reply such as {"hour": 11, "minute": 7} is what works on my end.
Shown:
{"hour": 11, "minute": 8}
